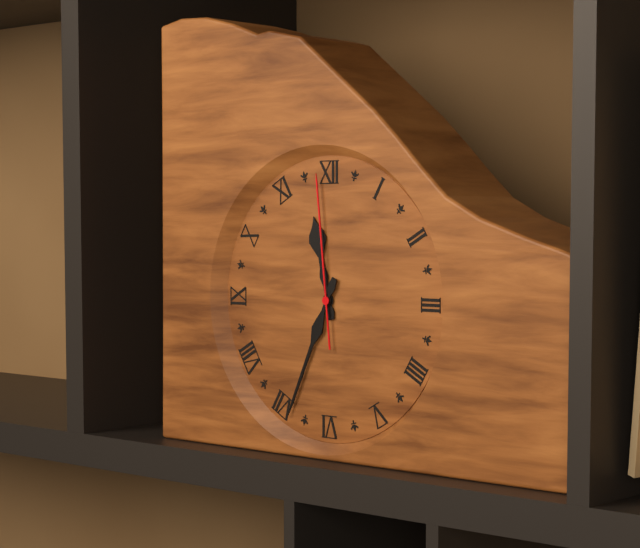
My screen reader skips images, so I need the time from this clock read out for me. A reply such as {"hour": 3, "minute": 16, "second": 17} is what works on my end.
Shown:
{"hour": 11, "minute": 34, "second": 59}
